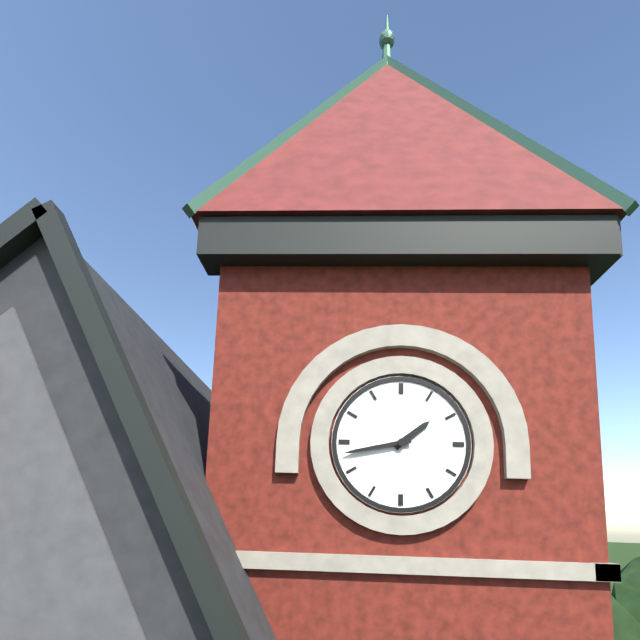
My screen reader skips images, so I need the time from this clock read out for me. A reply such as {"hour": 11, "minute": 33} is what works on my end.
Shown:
{"hour": 1, "minute": 43}
